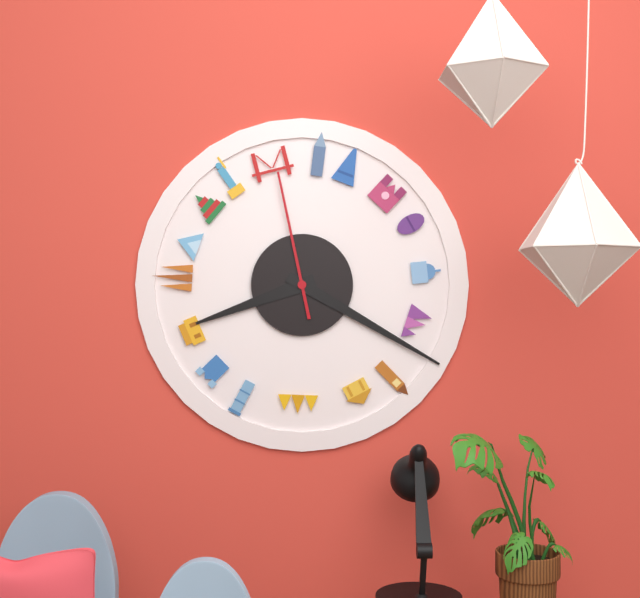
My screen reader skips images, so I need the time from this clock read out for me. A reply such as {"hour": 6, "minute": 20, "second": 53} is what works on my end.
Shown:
{"hour": 8, "minute": 20, "second": 58}
